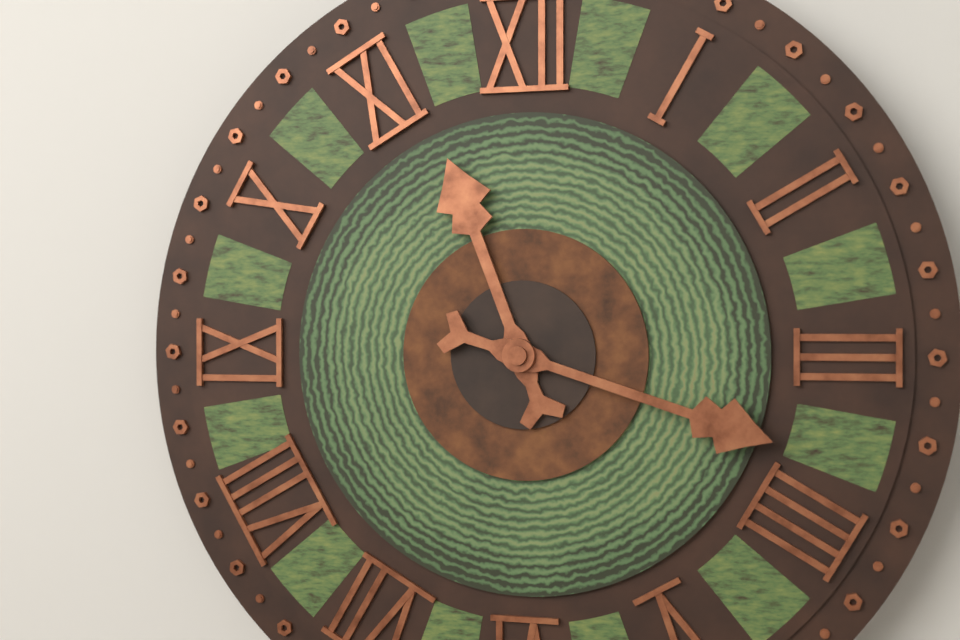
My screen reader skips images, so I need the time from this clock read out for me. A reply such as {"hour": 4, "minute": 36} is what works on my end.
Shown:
{"hour": 11, "minute": 18}
